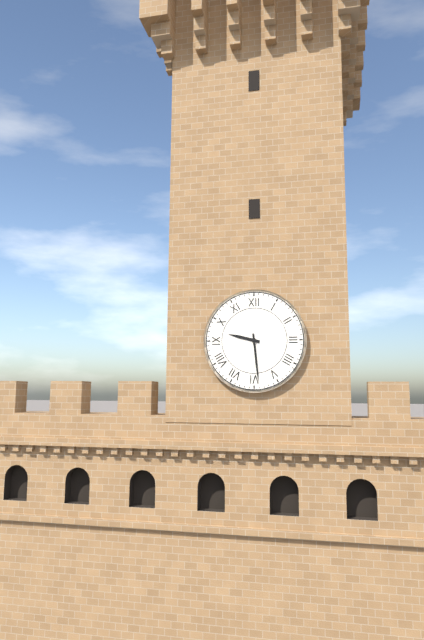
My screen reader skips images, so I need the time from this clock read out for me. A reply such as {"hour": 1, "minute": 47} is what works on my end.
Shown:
{"hour": 9, "minute": 29}
